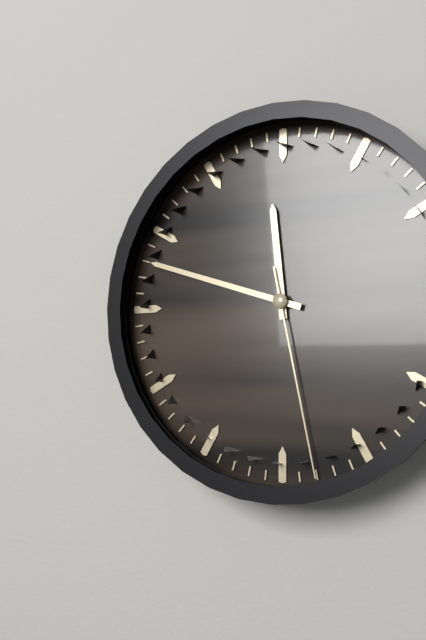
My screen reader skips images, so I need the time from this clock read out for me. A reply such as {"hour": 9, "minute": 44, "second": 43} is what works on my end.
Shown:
{"hour": 11, "minute": 48, "second": 28}
